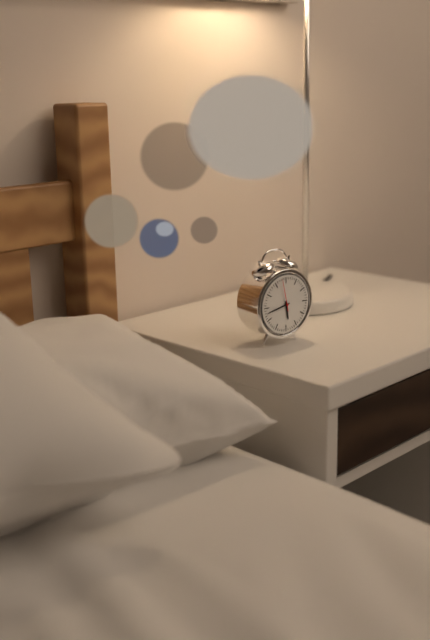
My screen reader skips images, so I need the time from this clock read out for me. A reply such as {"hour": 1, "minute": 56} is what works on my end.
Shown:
{"hour": 5, "minute": 43}
